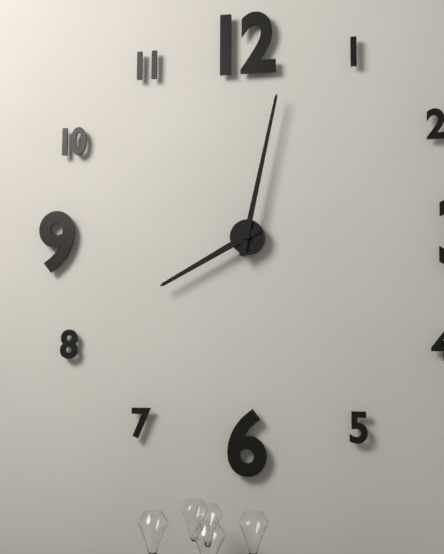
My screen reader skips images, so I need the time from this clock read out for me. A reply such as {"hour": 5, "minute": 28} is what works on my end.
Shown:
{"hour": 8, "minute": 2}
